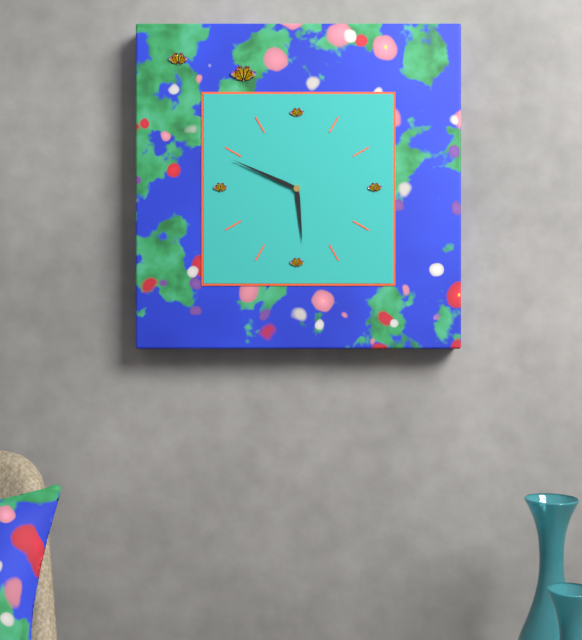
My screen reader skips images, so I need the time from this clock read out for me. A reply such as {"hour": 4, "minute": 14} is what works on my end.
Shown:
{"hour": 5, "minute": 49}
